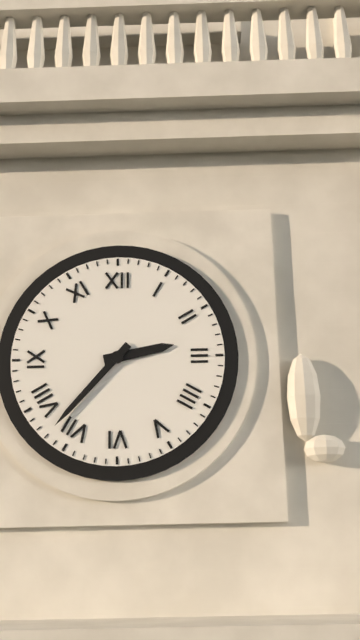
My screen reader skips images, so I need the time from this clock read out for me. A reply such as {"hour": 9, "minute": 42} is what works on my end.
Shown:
{"hour": 2, "minute": 37}
